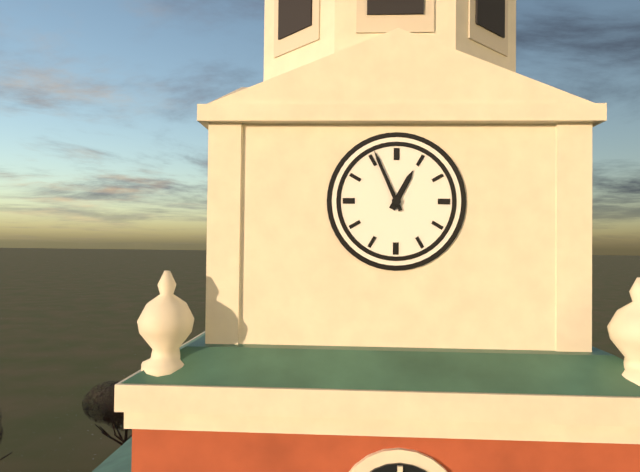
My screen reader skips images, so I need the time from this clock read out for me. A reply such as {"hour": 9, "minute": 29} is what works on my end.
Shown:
{"hour": 12, "minute": 56}
